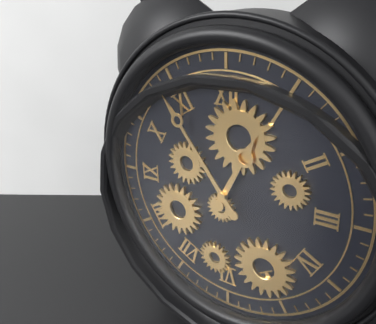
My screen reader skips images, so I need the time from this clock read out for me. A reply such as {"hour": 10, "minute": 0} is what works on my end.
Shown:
{"hour": 12, "minute": 54}
